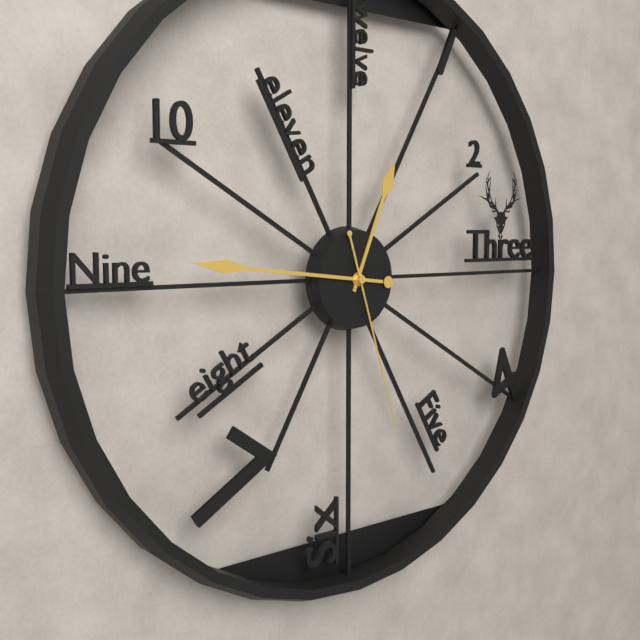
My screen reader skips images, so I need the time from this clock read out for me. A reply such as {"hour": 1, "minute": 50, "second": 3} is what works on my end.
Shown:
{"hour": 12, "minute": 46, "second": 27}
